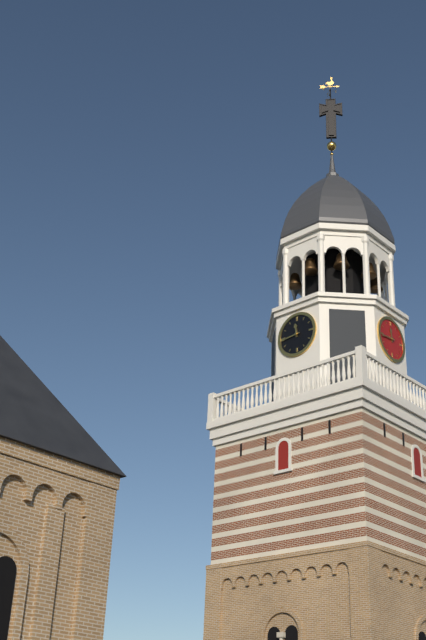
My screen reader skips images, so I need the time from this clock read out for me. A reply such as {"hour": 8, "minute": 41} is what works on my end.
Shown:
{"hour": 11, "minute": 44}
